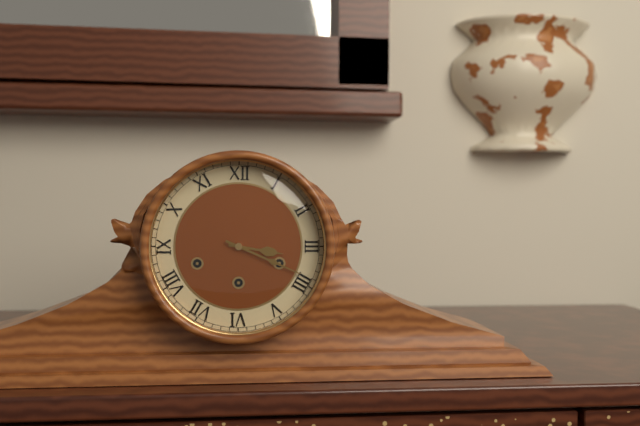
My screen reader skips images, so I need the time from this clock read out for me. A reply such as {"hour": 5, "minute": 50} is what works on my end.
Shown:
{"hour": 3, "minute": 19}
